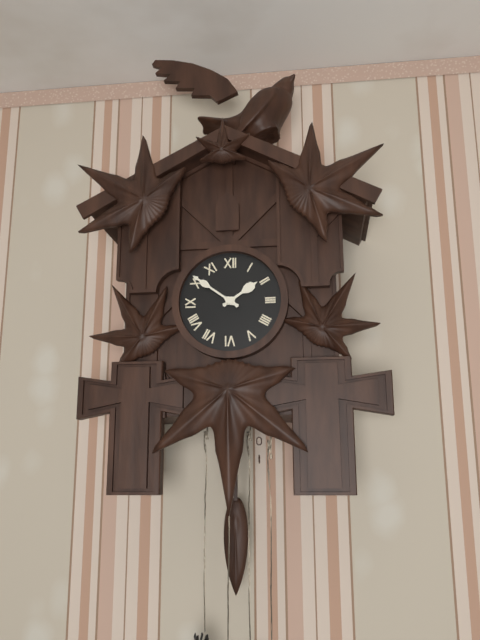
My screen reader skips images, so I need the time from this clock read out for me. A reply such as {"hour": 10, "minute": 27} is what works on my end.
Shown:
{"hour": 1, "minute": 51}
